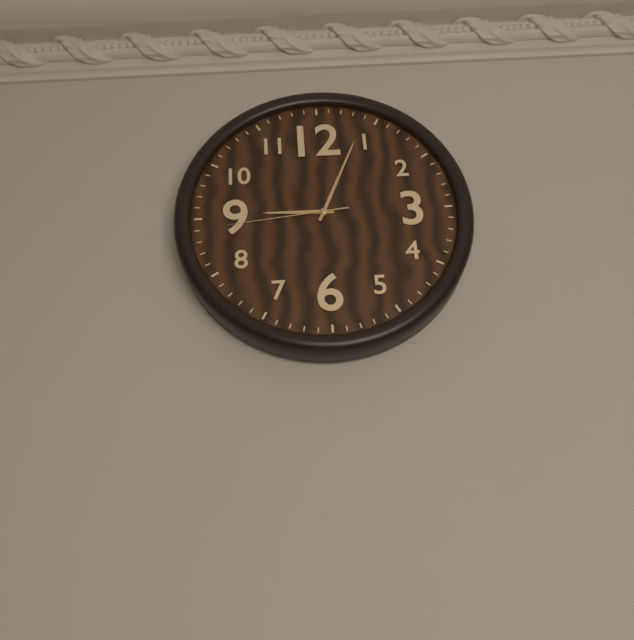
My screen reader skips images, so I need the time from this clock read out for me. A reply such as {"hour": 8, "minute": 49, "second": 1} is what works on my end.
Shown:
{"hour": 9, "minute": 4, "second": 44}
